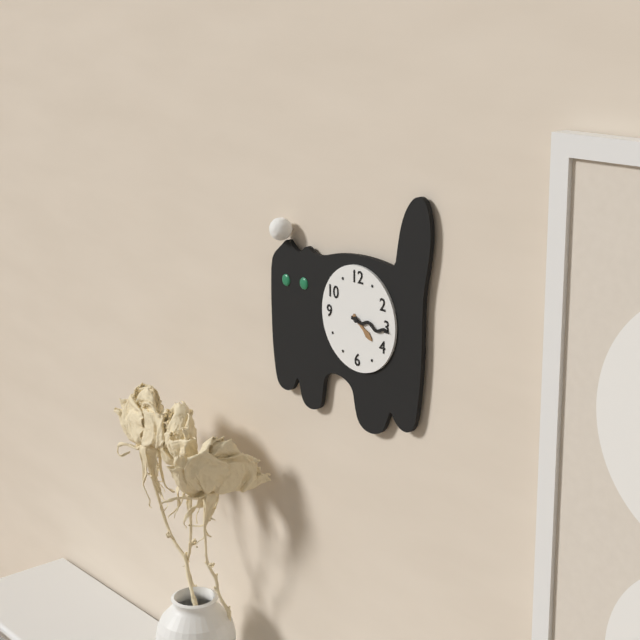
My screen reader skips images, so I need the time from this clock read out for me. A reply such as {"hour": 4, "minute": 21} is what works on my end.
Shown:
{"hour": 4, "minute": 16}
